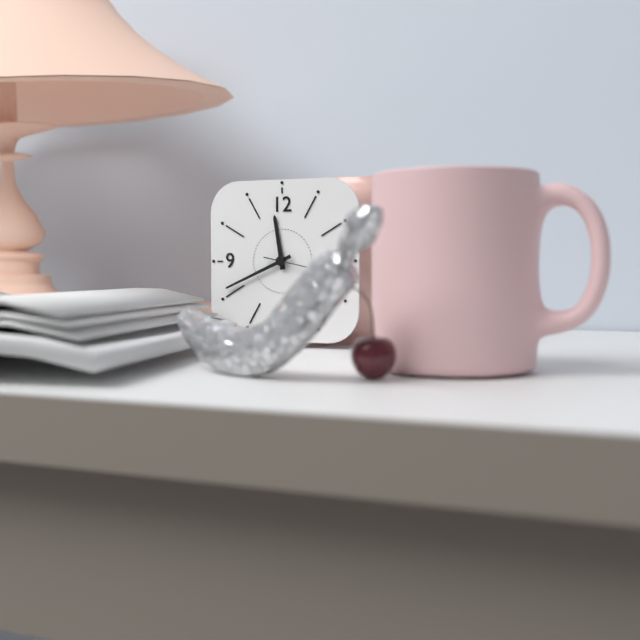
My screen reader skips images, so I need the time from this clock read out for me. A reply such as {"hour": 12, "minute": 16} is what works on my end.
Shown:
{"hour": 11, "minute": 41}
